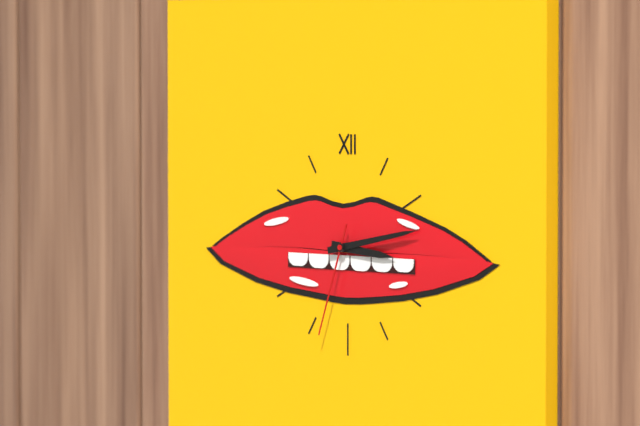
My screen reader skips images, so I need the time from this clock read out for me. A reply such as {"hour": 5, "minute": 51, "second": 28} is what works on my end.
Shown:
{"hour": 3, "minute": 13, "second": 33}
